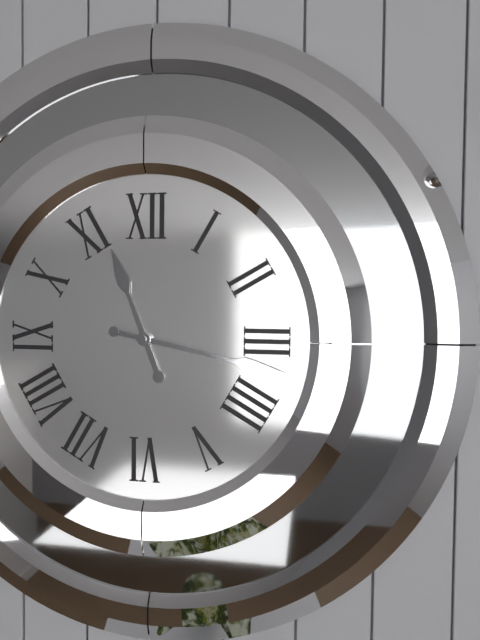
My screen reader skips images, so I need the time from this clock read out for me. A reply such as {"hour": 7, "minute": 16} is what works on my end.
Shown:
{"hour": 11, "minute": 17}
